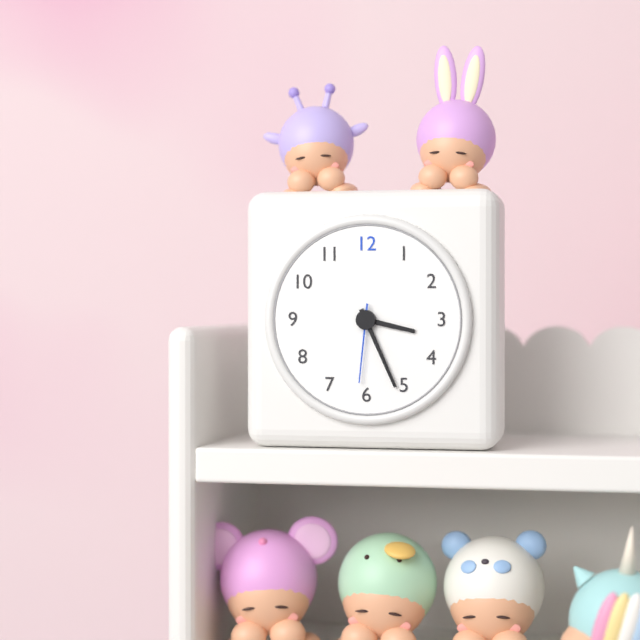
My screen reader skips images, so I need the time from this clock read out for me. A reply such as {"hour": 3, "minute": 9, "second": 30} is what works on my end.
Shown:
{"hour": 3, "minute": 26, "second": 31}
